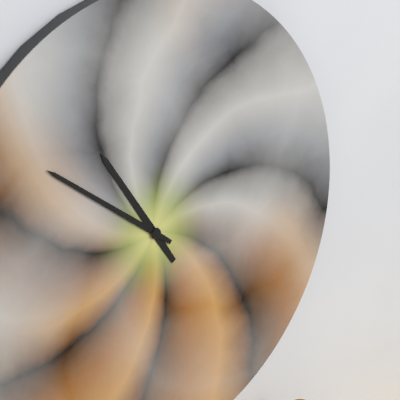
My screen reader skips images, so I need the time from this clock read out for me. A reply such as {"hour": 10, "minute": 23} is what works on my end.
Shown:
{"hour": 10, "minute": 51}
